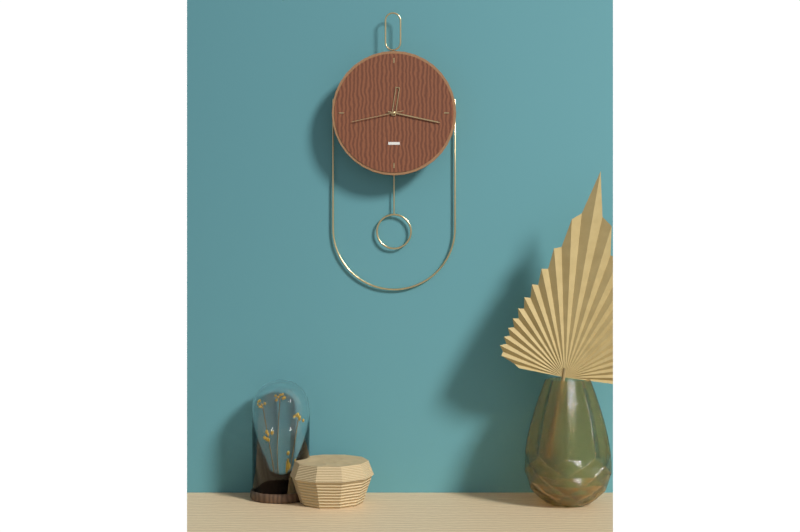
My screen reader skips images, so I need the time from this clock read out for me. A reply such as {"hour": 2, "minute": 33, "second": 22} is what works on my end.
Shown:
{"hour": 12, "minute": 17, "second": 43}
